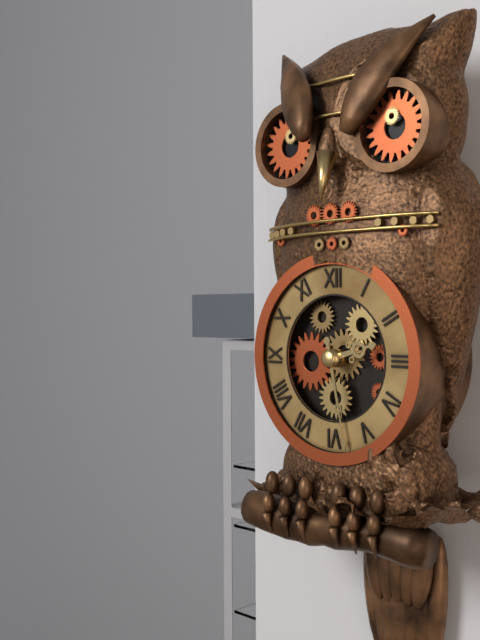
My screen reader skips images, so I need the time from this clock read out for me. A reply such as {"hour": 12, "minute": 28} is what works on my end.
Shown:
{"hour": 2, "minute": 28}
